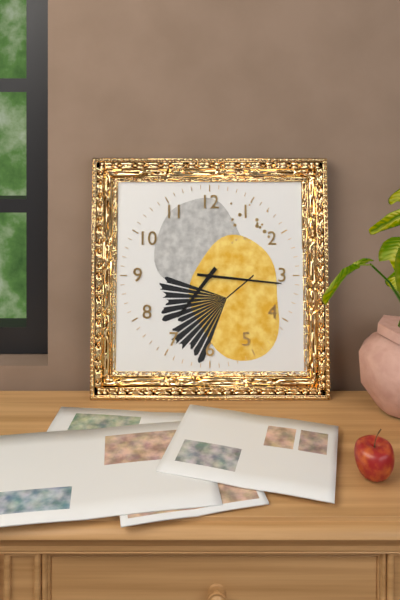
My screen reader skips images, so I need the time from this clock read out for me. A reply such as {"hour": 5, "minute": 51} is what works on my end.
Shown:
{"hour": 7, "minute": 16}
